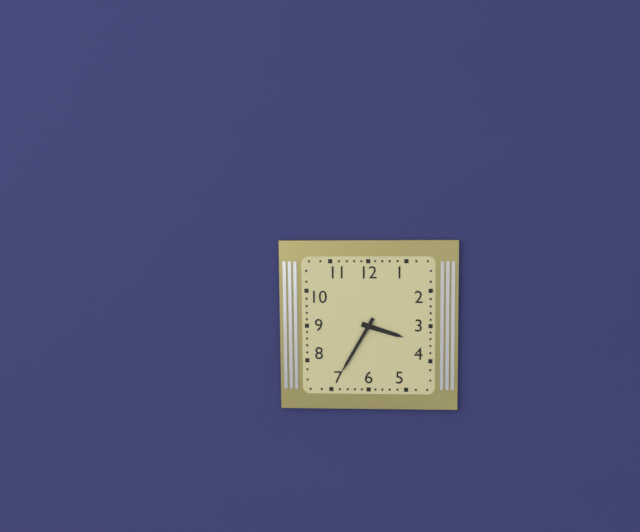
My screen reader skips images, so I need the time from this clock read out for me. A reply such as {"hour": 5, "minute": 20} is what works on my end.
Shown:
{"hour": 3, "minute": 35}
